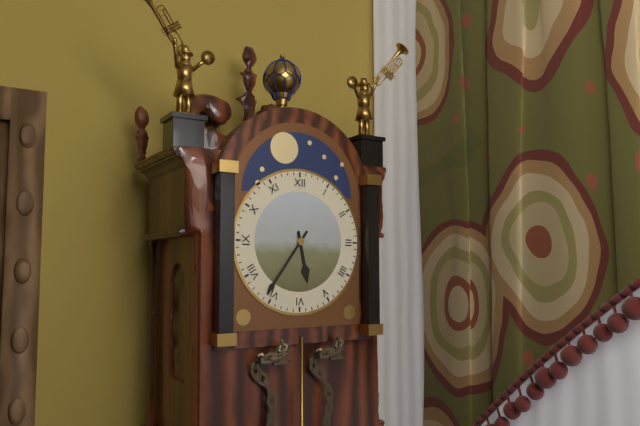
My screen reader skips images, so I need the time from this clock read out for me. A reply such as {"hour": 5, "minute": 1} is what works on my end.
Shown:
{"hour": 5, "minute": 36}
